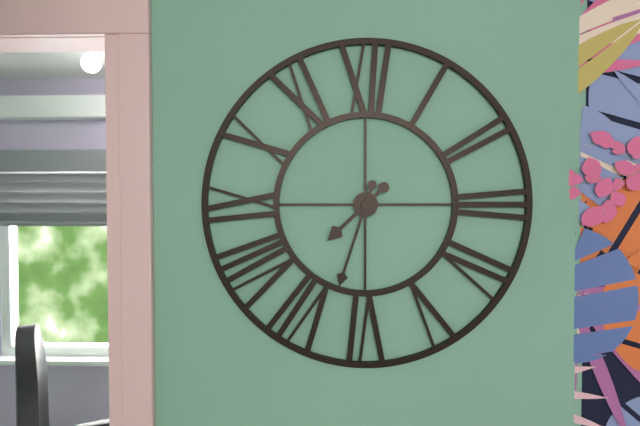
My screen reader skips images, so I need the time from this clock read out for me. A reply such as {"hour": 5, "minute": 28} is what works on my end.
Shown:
{"hour": 7, "minute": 33}
